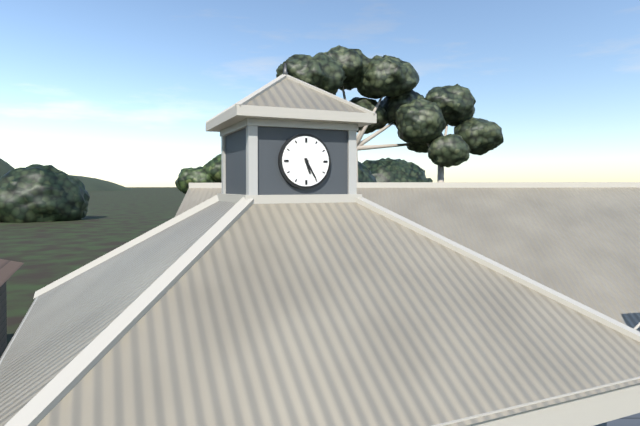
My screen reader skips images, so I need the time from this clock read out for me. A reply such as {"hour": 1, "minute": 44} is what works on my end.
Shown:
{"hour": 5, "minute": 25}
